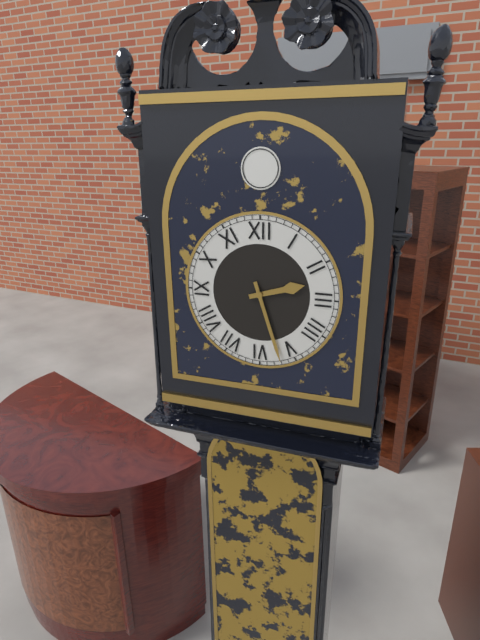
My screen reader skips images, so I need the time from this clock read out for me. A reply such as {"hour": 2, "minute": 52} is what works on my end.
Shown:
{"hour": 2, "minute": 27}
